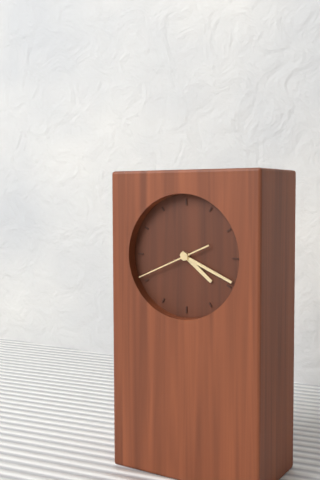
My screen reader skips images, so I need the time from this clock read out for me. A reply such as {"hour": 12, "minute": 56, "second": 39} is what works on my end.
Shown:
{"hour": 4, "minute": 19, "second": 41}
